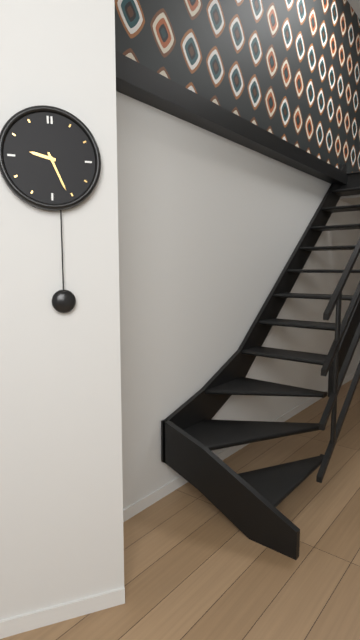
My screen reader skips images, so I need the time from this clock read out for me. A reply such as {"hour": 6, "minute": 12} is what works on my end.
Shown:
{"hour": 9, "minute": 26}
